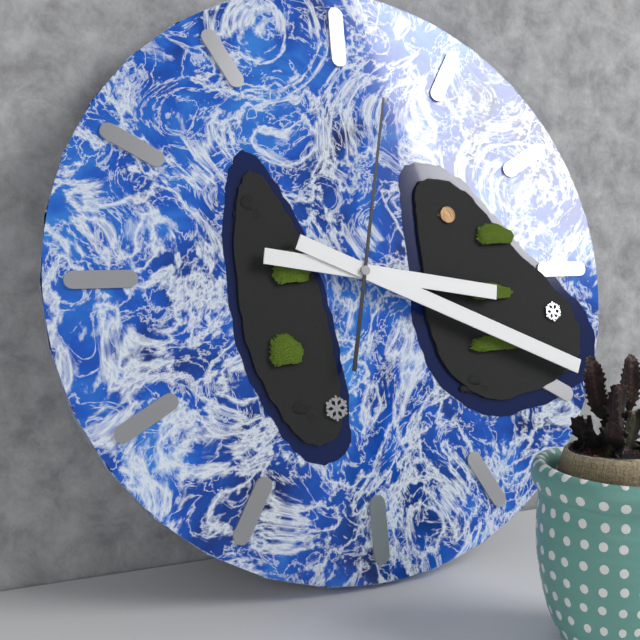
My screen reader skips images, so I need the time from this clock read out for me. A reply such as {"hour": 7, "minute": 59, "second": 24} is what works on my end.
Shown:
{"hour": 3, "minute": 19, "second": 2}
